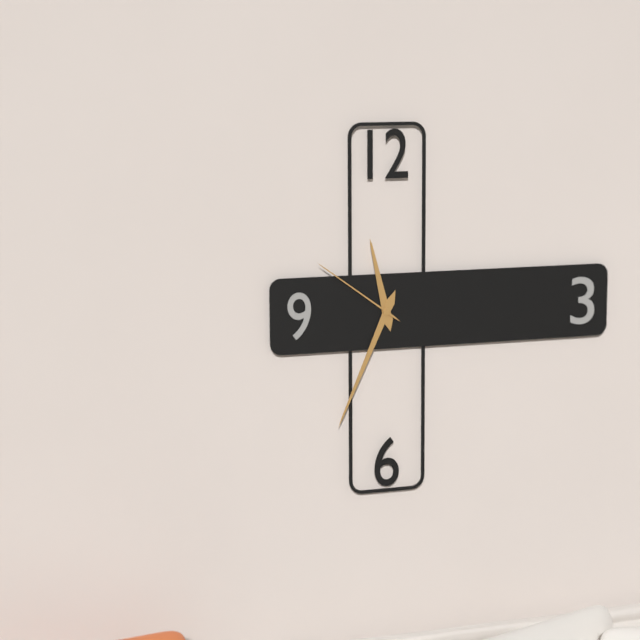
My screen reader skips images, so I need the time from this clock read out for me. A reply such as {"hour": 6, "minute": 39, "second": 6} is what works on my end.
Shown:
{"hour": 11, "minute": 34, "second": 51}
